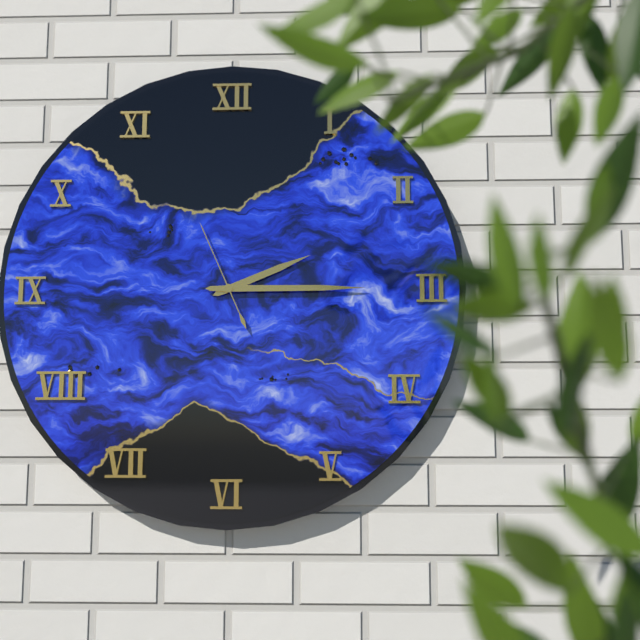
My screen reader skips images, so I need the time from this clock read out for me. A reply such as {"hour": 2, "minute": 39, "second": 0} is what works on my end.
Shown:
{"hour": 2, "minute": 15, "second": 56}
